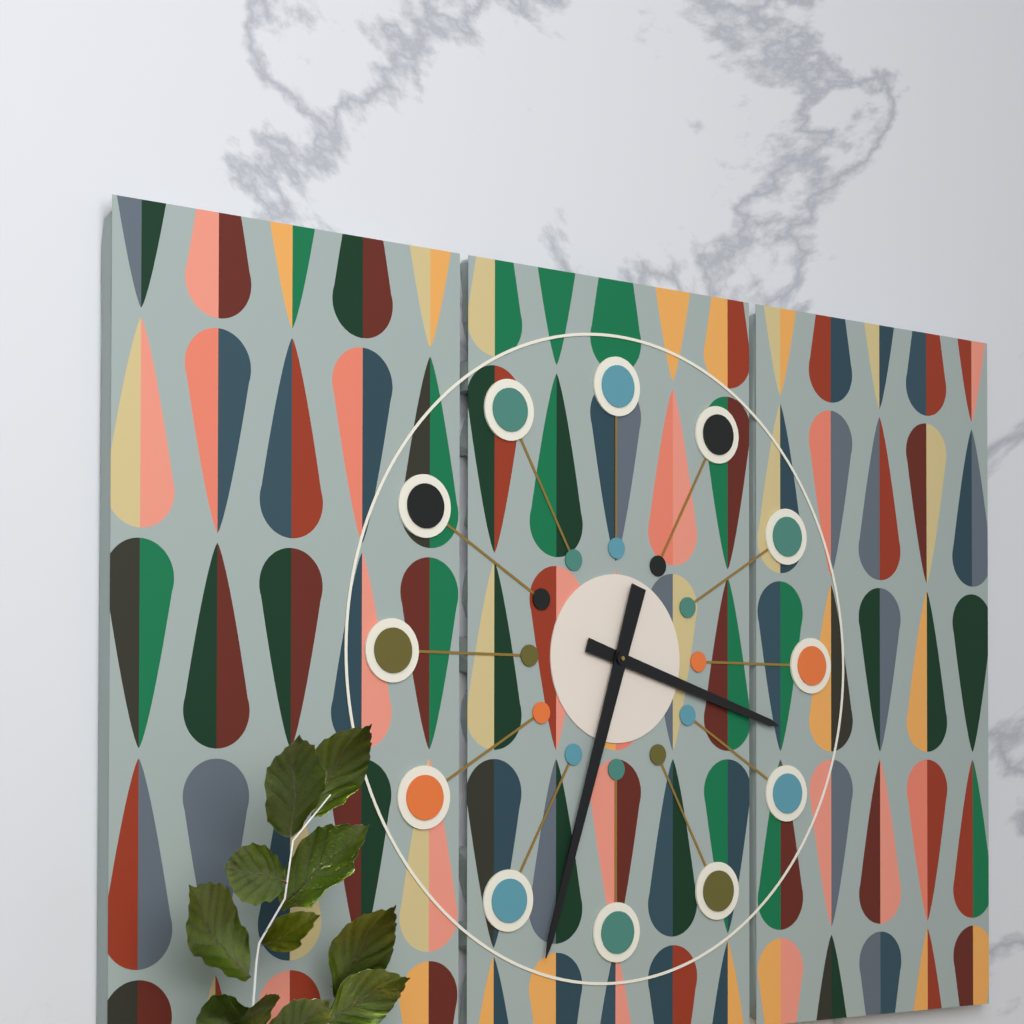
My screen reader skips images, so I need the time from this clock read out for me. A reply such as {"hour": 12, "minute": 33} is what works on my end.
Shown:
{"hour": 3, "minute": 33}
